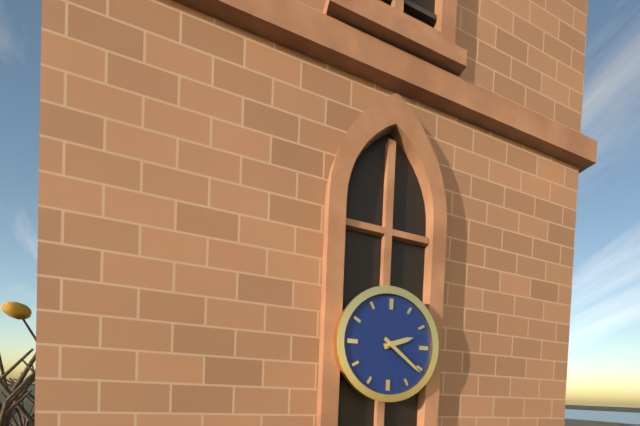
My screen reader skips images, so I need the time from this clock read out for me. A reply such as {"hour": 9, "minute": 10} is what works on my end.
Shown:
{"hour": 2, "minute": 21}
